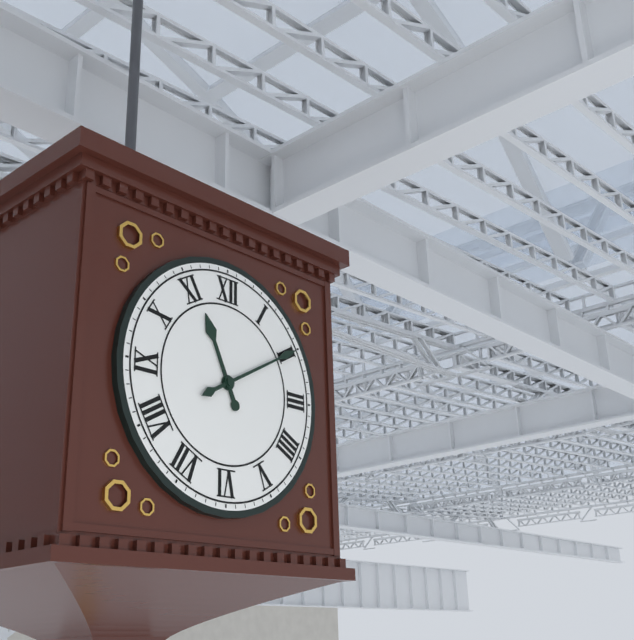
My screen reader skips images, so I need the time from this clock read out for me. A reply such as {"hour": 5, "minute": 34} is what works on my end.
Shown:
{"hour": 11, "minute": 10}
